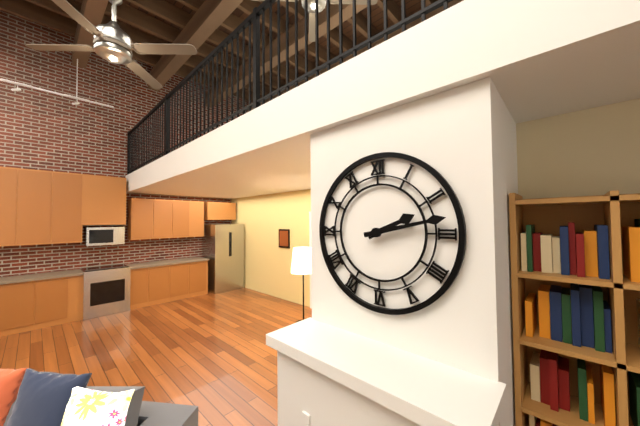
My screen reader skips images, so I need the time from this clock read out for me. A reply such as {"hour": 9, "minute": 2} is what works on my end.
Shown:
{"hour": 2, "minute": 13}
